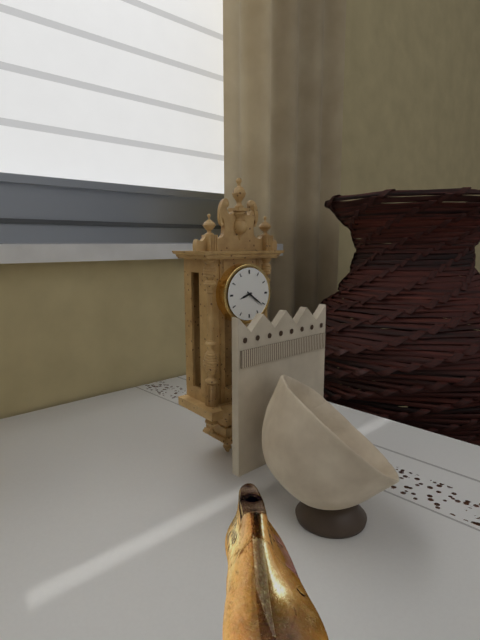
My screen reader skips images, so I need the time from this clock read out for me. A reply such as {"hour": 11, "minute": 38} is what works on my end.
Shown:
{"hour": 8, "minute": 21}
